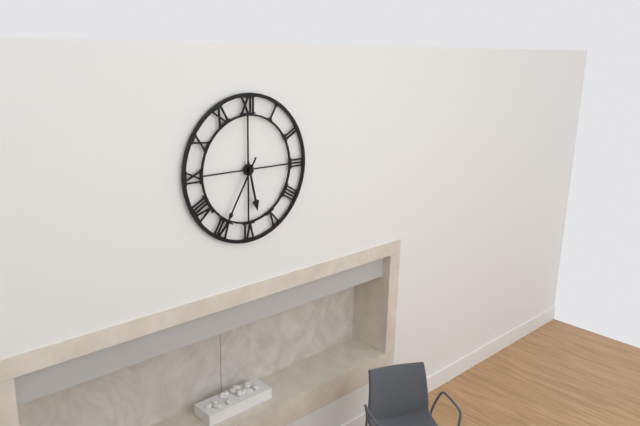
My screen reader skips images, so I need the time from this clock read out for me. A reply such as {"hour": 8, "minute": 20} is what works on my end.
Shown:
{"hour": 5, "minute": 35}
